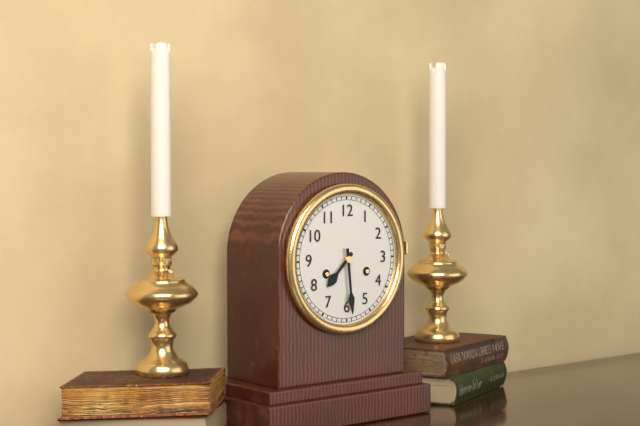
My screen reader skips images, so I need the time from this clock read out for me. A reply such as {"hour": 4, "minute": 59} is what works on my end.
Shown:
{"hour": 7, "minute": 29}
